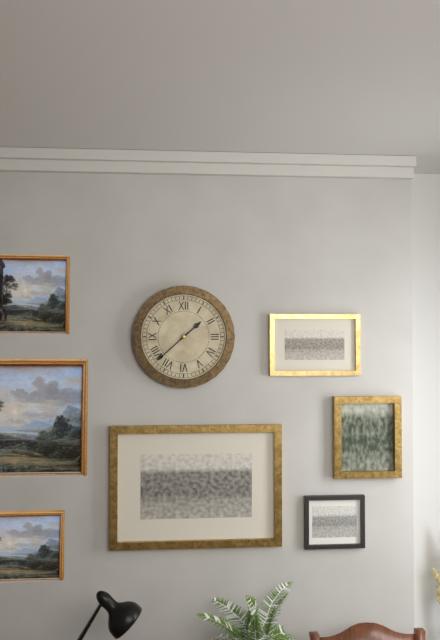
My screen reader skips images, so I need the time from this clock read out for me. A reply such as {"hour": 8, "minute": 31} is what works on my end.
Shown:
{"hour": 1, "minute": 38}
